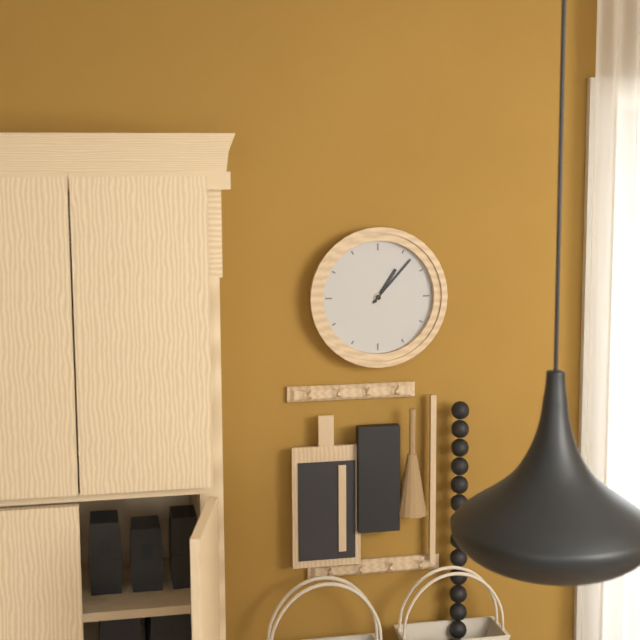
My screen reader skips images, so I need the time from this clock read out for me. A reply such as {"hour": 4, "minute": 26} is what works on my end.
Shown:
{"hour": 1, "minute": 7}
